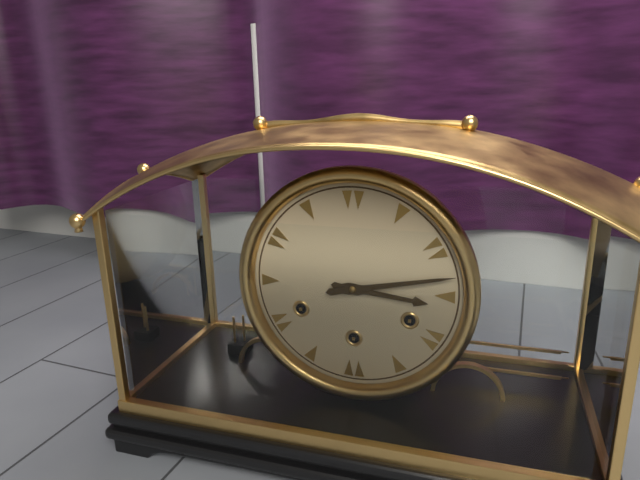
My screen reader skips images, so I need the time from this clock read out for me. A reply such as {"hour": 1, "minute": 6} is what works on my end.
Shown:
{"hour": 3, "minute": 13}
